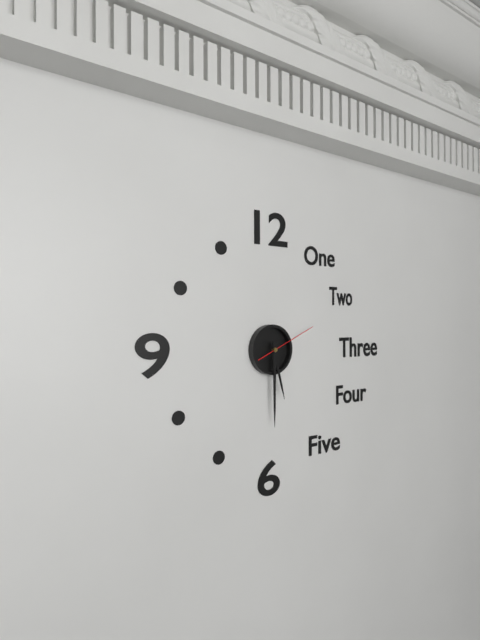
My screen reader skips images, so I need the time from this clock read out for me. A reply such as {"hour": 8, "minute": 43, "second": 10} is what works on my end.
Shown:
{"hour": 5, "minute": 30, "second": 11}
